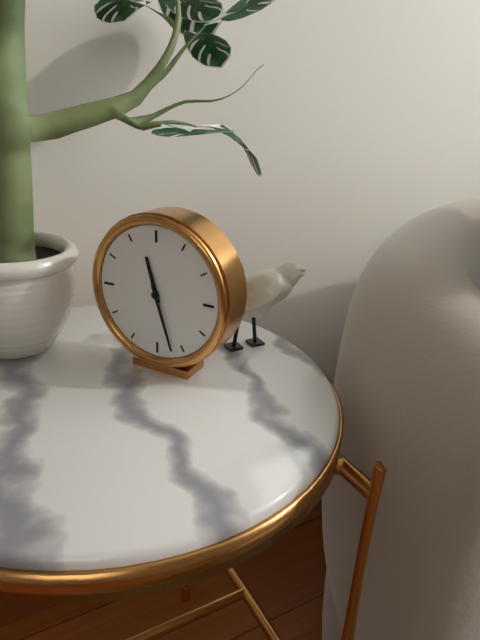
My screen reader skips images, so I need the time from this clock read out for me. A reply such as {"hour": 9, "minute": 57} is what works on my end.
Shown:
{"hour": 11, "minute": 27}
